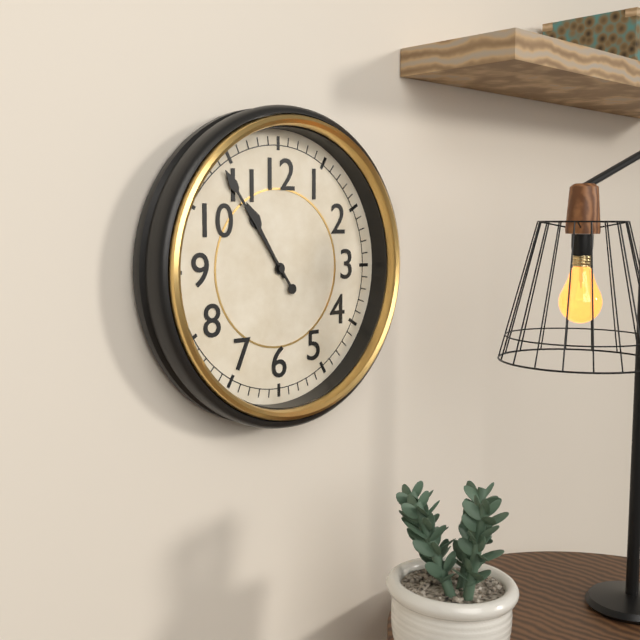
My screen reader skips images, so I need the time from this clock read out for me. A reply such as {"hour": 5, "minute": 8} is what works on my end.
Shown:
{"hour": 10, "minute": 54}
